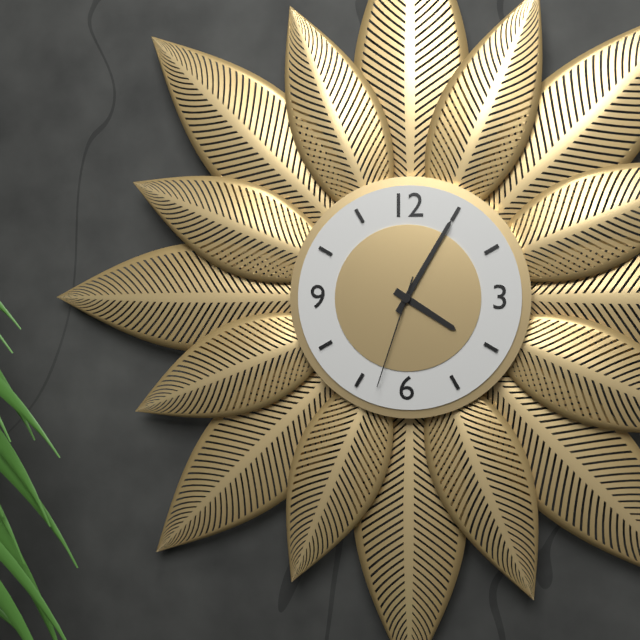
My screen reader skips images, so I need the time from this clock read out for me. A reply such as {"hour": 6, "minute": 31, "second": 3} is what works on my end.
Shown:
{"hour": 4, "minute": 5, "second": 33}
